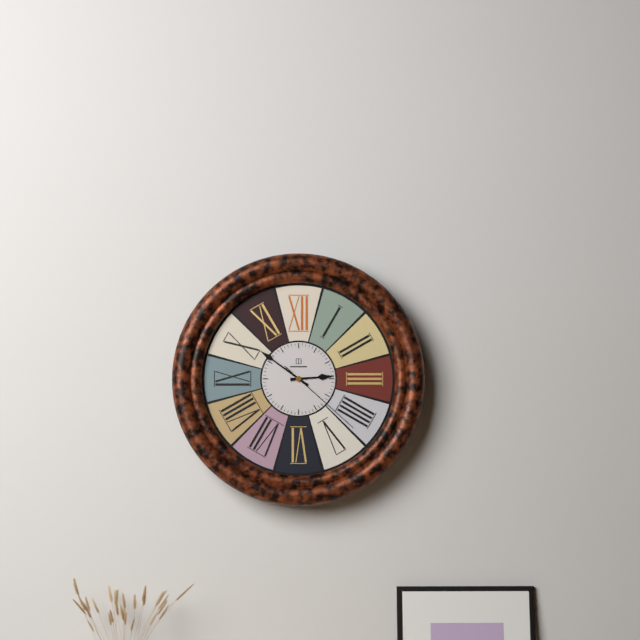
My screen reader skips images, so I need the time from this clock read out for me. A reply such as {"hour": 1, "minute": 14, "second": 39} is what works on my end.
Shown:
{"hour": 2, "minute": 51, "second": 22}
